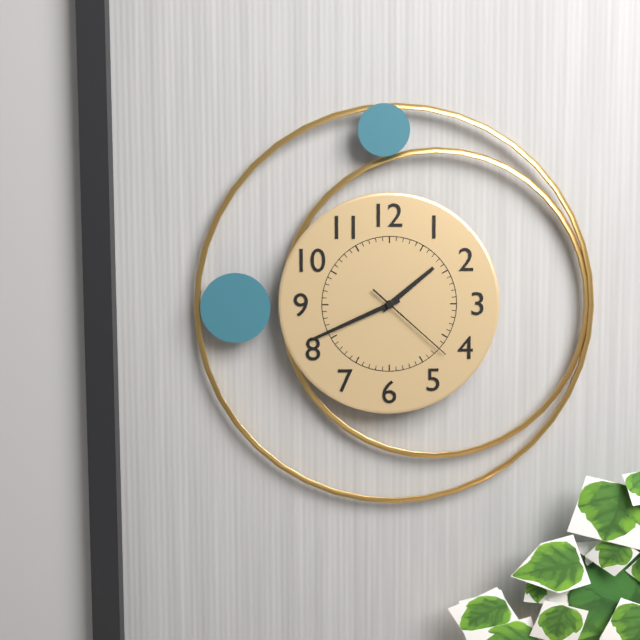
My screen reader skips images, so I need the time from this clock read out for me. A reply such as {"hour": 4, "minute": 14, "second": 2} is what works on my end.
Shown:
{"hour": 1, "minute": 41, "second": 22}
